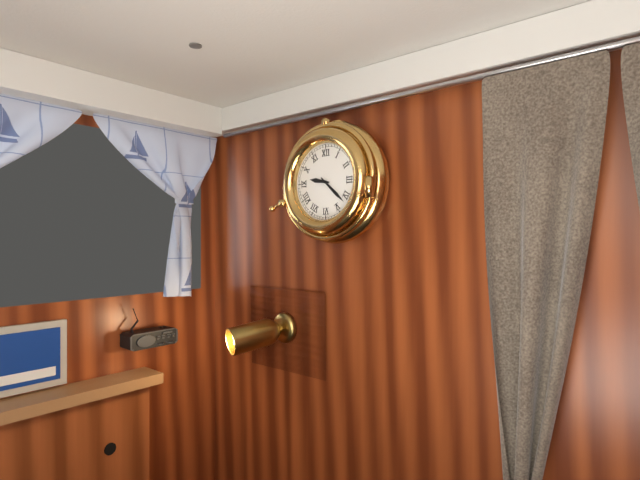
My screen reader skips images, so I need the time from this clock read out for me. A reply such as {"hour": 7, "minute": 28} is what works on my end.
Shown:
{"hour": 9, "minute": 22}
